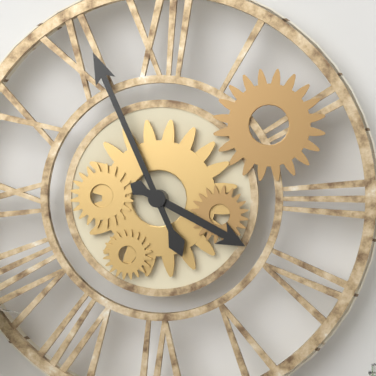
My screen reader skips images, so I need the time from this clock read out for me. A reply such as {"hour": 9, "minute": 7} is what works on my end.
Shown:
{"hour": 3, "minute": 56}
